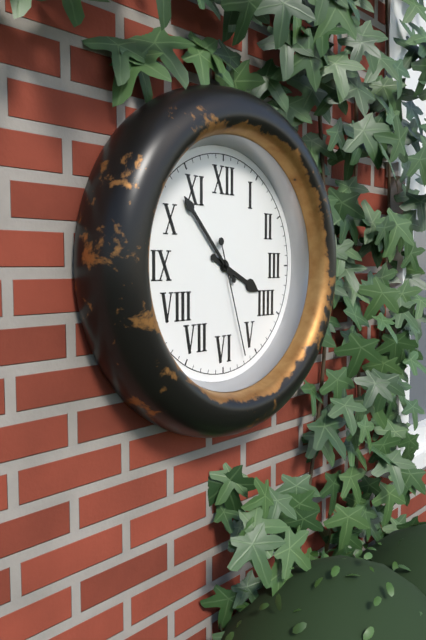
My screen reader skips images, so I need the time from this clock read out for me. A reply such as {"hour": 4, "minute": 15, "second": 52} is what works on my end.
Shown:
{"hour": 3, "minute": 53, "second": 27}
